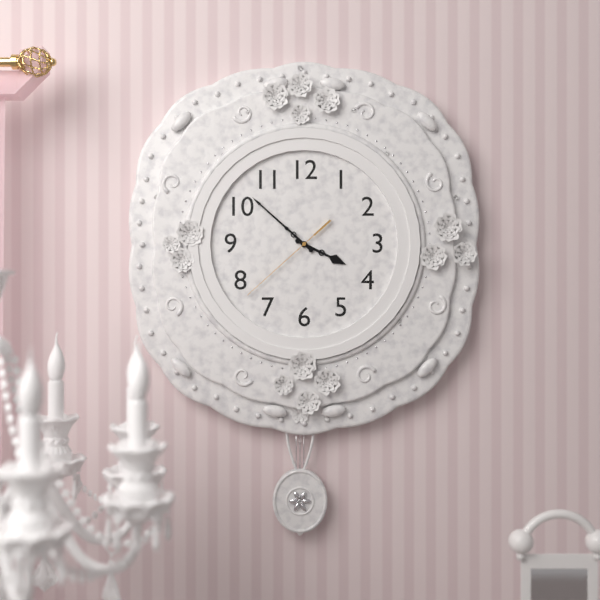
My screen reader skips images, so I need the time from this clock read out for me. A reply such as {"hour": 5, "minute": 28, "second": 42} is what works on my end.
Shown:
{"hour": 3, "minute": 52, "second": 38}
